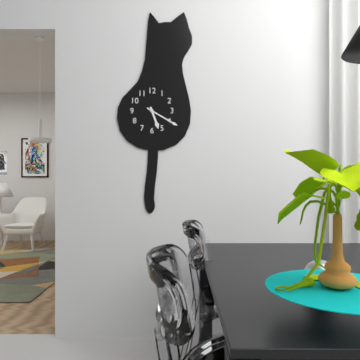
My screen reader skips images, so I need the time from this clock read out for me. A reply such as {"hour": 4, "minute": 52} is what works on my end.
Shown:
{"hour": 5, "minute": 20}
